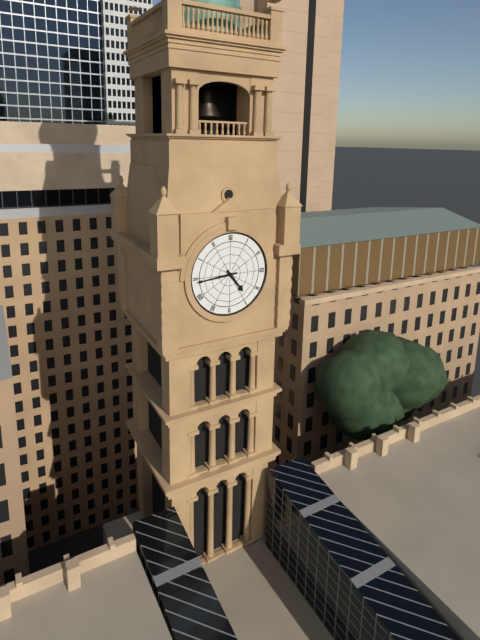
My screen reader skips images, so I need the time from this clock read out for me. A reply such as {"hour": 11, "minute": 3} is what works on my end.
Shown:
{"hour": 4, "minute": 44}
